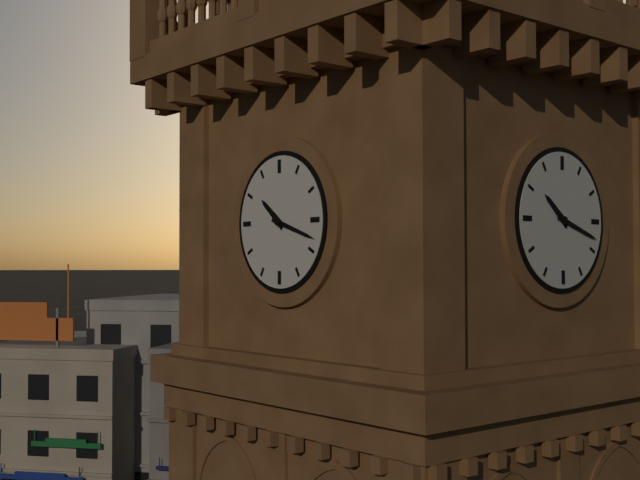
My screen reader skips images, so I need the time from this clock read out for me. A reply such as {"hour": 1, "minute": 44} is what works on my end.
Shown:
{"hour": 10, "minute": 18}
